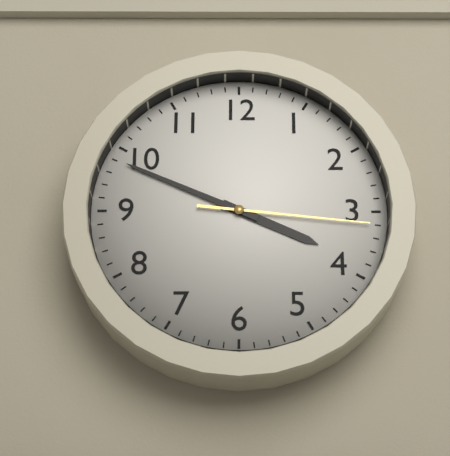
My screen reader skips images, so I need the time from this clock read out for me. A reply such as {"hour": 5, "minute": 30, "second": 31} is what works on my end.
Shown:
{"hour": 3, "minute": 49, "second": 16}
